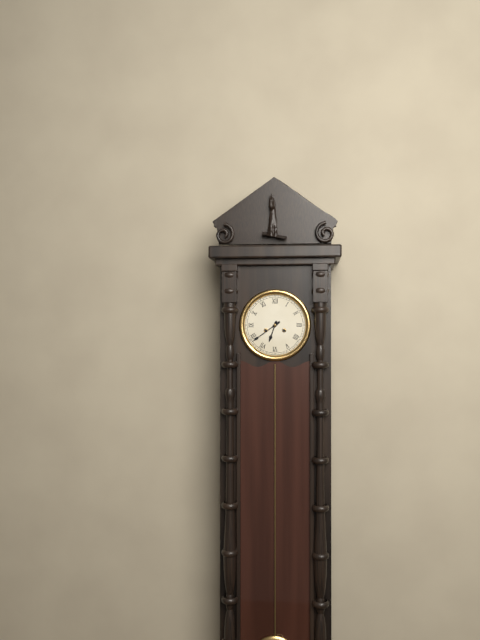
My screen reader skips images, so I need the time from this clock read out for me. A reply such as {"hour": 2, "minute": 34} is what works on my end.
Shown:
{"hour": 6, "minute": 39}
